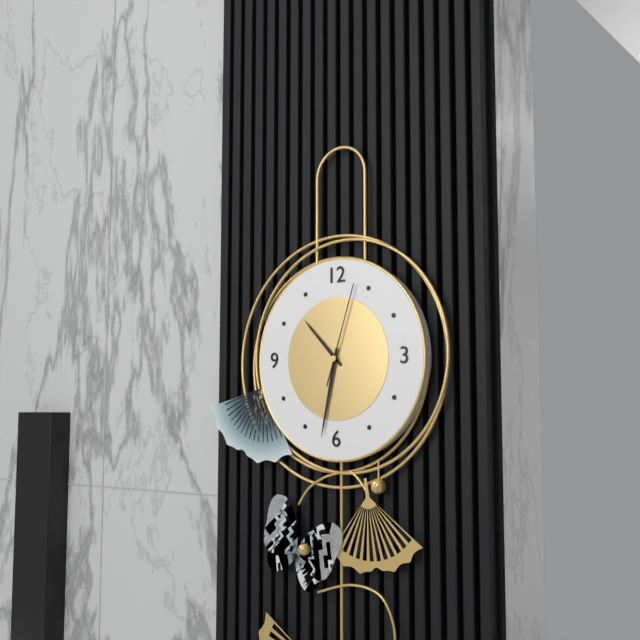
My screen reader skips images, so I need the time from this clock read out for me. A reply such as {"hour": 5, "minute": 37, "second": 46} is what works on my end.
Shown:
{"hour": 10, "minute": 32, "second": 3}
